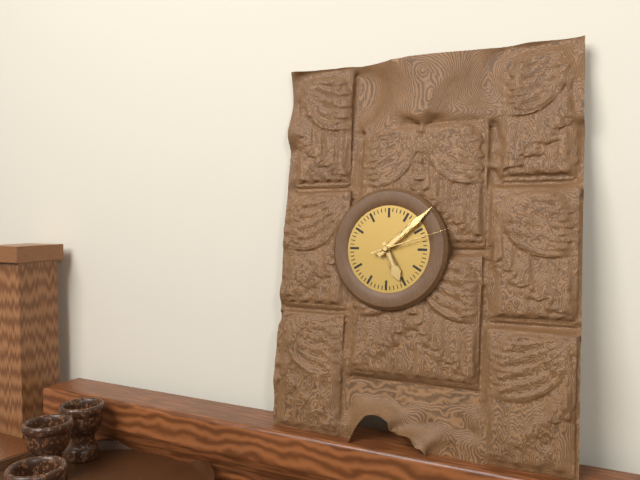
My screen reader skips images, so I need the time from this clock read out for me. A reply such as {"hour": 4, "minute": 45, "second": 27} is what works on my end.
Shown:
{"hour": 5, "minute": 8, "second": 12}
